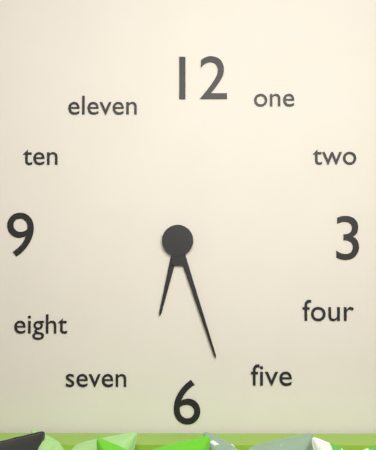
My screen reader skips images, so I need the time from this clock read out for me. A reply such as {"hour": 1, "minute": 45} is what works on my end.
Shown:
{"hour": 6, "minute": 27}
